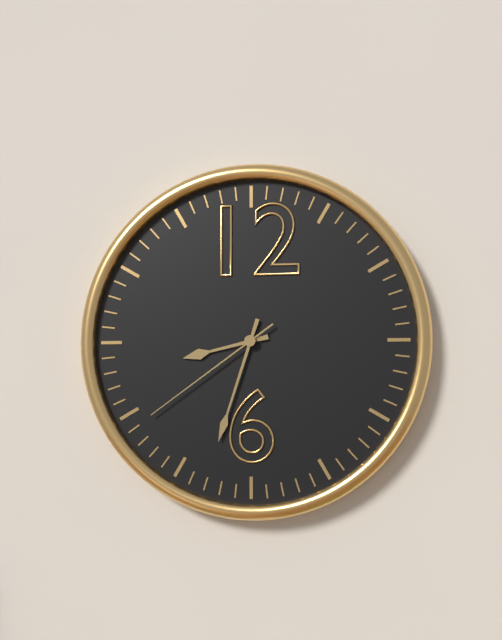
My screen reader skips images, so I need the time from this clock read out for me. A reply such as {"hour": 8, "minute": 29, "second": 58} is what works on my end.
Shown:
{"hour": 8, "minute": 33, "second": 39}
